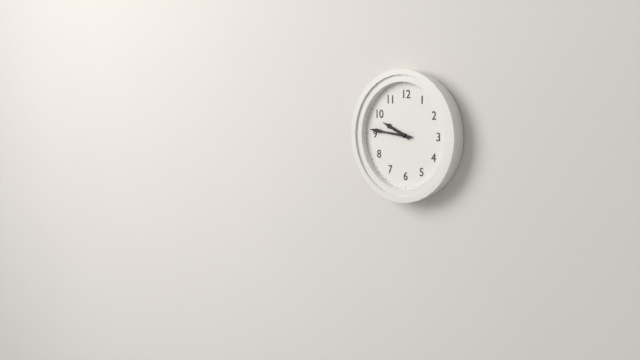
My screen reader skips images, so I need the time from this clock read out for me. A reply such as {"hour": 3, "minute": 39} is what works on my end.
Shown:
{"hour": 9, "minute": 46}
